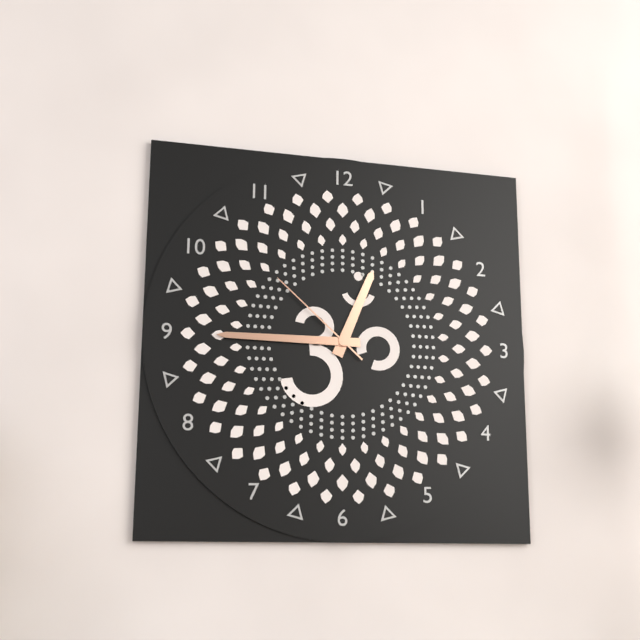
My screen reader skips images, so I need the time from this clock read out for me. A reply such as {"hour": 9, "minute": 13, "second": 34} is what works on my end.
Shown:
{"hour": 12, "minute": 45, "second": 52}
